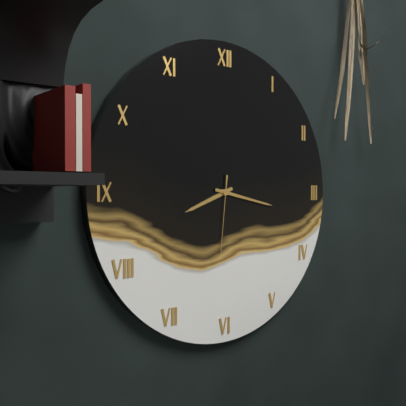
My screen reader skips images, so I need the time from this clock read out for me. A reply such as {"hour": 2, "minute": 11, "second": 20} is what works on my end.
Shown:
{"hour": 8, "minute": 17, "second": 31}
